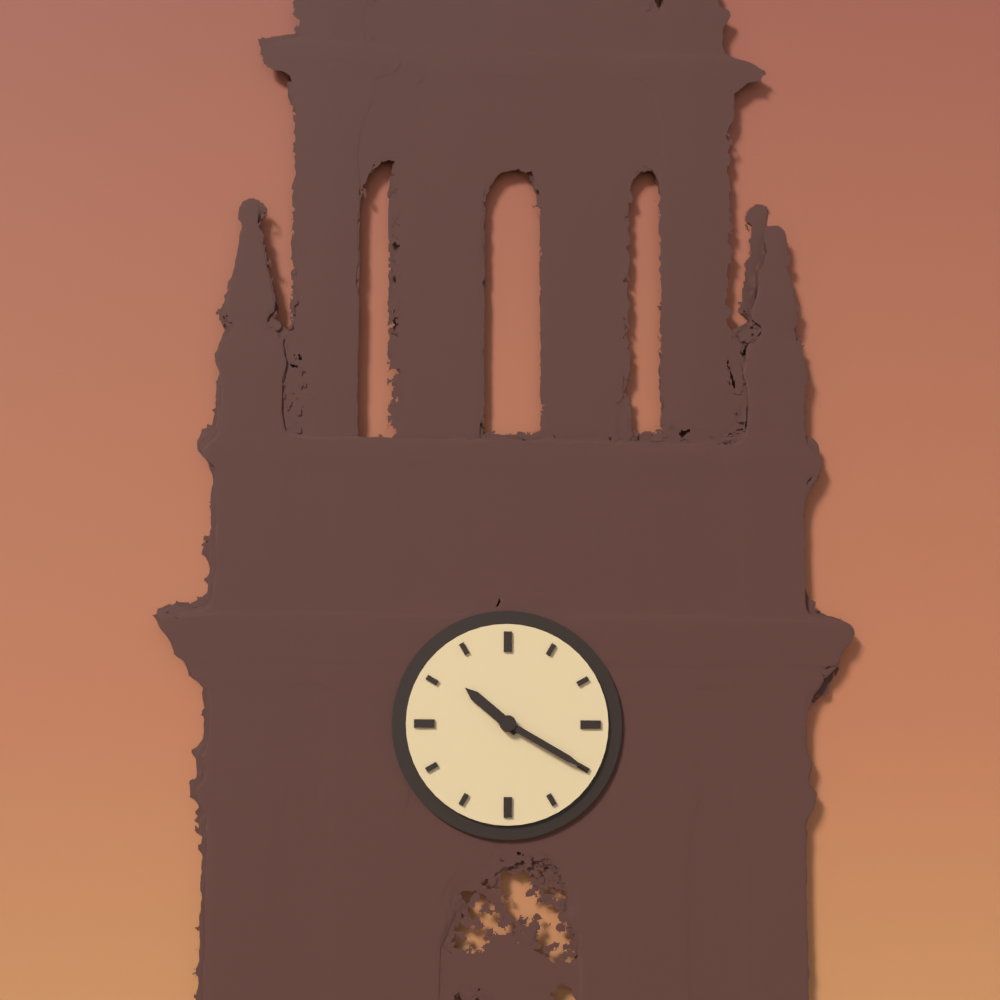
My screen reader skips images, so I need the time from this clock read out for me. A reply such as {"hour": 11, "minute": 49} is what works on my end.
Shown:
{"hour": 10, "minute": 20}
